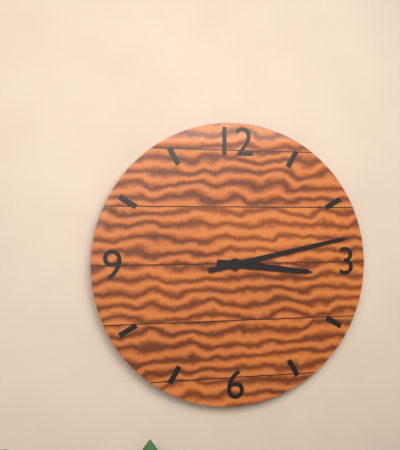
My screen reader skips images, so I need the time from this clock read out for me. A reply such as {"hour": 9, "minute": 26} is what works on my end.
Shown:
{"hour": 3, "minute": 13}
